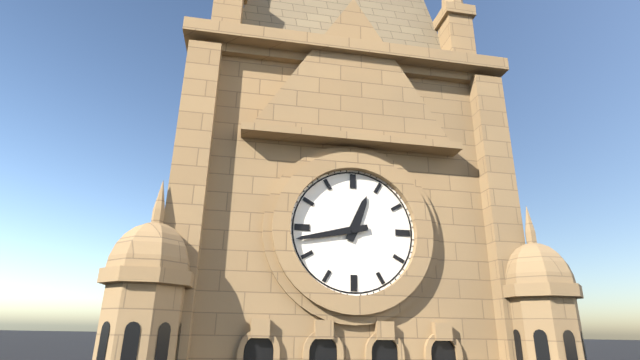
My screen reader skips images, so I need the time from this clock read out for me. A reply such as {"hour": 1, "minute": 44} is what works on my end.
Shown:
{"hour": 12, "minute": 43}
